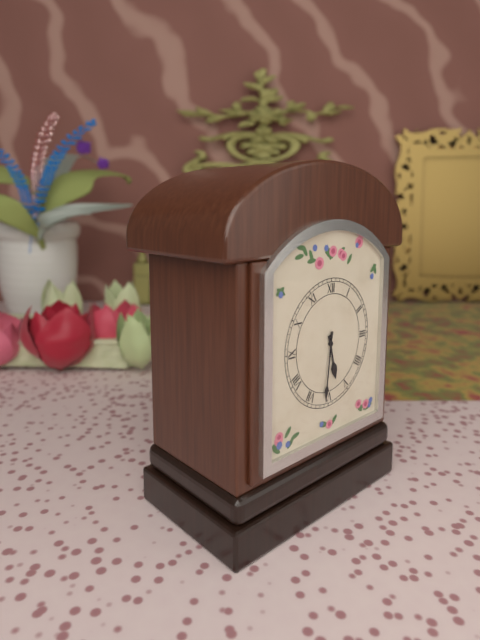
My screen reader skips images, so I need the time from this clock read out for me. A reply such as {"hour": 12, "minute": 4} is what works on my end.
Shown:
{"hour": 5, "minute": 31}
